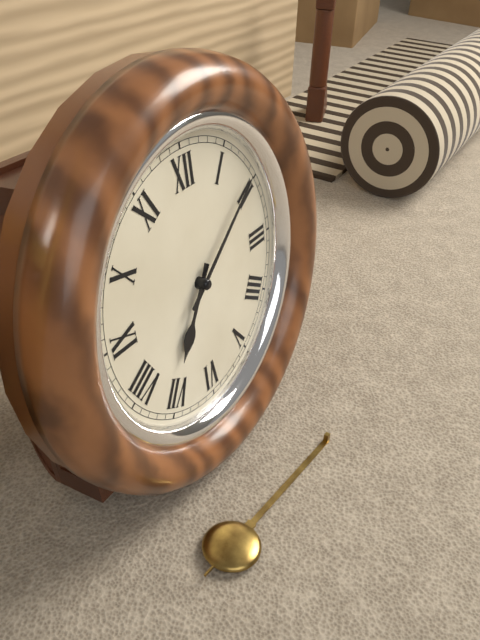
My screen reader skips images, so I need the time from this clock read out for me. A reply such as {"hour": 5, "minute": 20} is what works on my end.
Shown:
{"hour": 7, "minute": 9}
